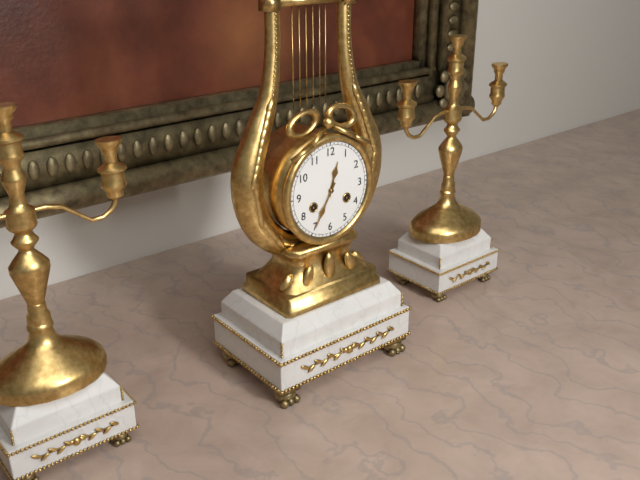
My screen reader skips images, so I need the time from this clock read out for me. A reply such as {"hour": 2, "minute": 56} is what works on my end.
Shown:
{"hour": 12, "minute": 35}
